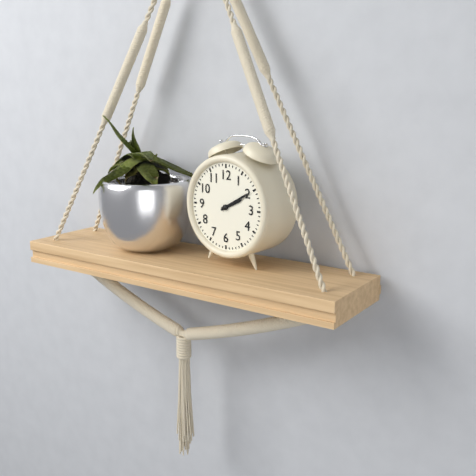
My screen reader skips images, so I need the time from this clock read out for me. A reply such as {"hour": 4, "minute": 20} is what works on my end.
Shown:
{"hour": 2, "minute": 10}
